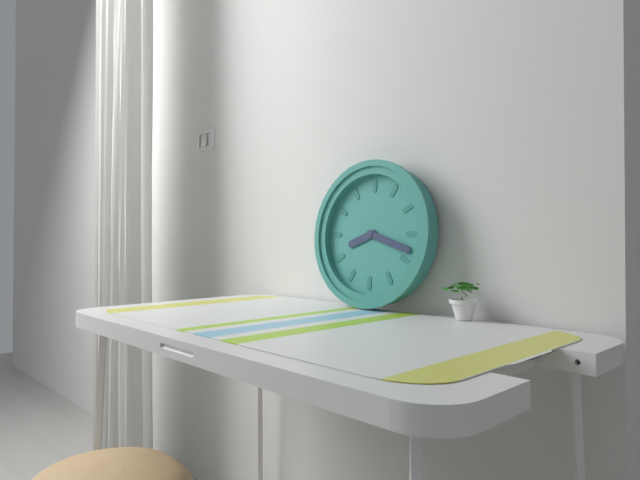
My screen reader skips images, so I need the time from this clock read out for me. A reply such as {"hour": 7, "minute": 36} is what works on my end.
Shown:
{"hour": 8, "minute": 18}
